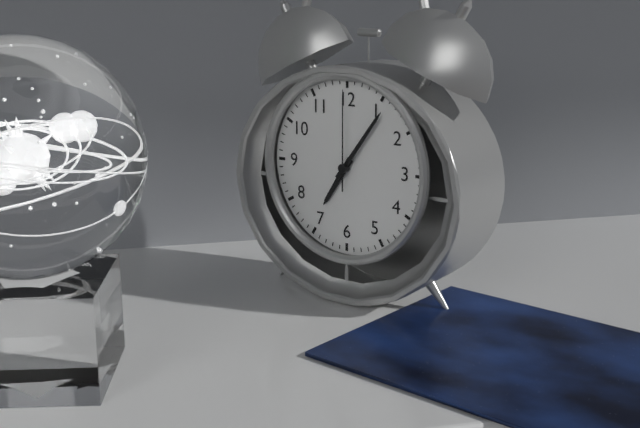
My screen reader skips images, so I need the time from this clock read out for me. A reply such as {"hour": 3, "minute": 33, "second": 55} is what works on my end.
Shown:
{"hour": 7, "minute": 6, "second": 0}
